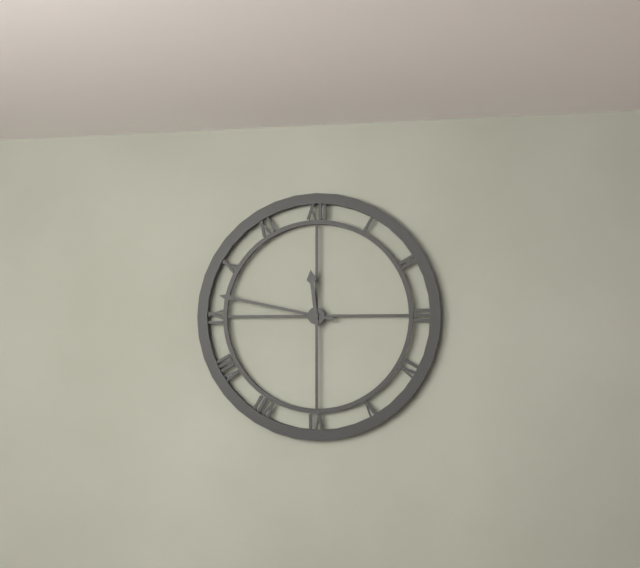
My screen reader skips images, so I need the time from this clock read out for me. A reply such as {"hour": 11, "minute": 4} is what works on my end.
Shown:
{"hour": 11, "minute": 47}
